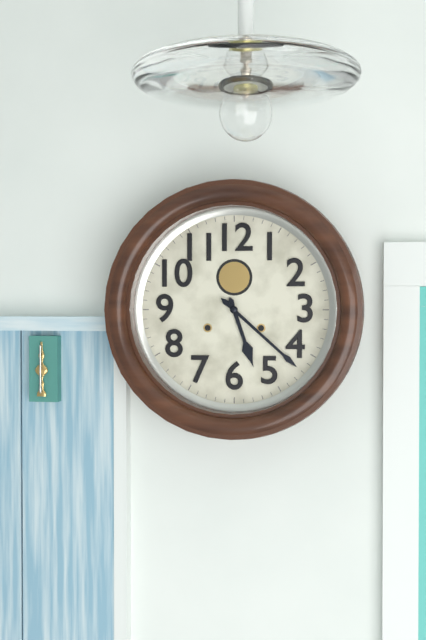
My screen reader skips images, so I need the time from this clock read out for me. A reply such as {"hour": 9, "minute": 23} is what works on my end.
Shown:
{"hour": 5, "minute": 22}
